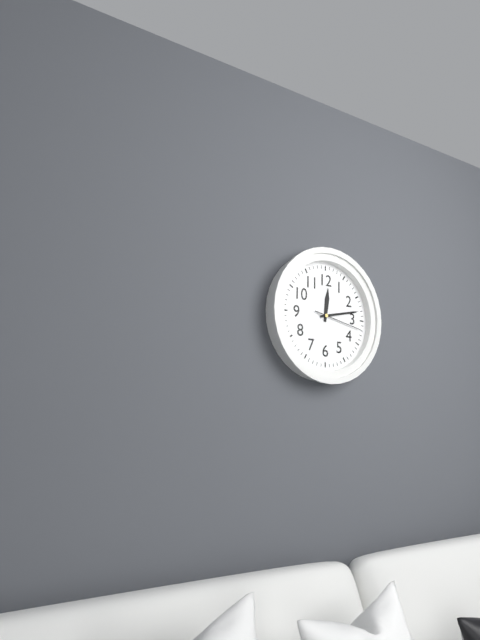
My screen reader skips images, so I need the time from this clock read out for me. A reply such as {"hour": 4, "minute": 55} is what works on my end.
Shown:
{"hour": 12, "minute": 13}
